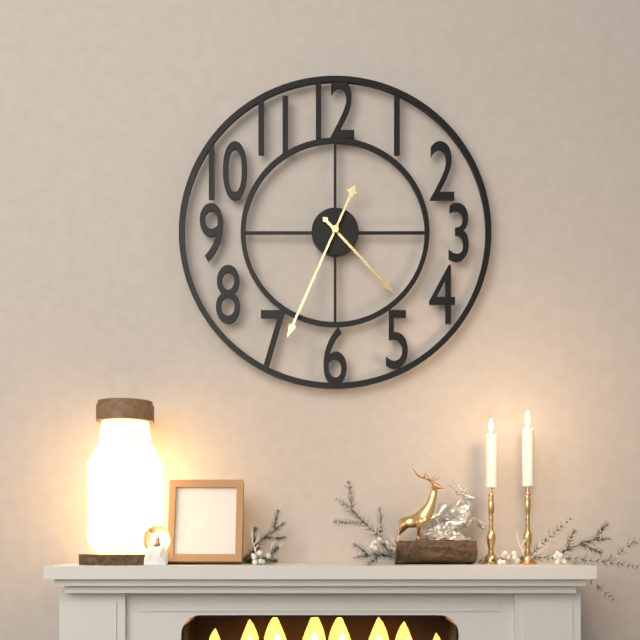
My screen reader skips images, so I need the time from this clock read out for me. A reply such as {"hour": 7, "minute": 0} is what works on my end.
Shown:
{"hour": 4, "minute": 34}
